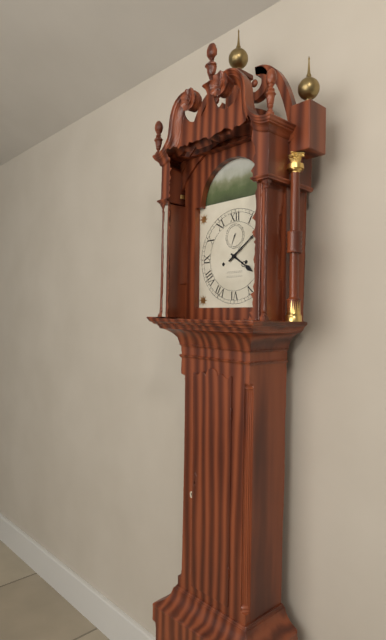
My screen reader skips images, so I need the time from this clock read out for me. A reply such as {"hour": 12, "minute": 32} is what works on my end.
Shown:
{"hour": 4, "minute": 9}
